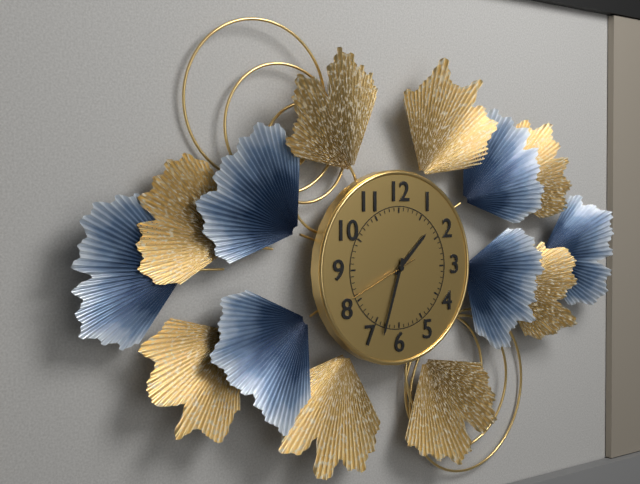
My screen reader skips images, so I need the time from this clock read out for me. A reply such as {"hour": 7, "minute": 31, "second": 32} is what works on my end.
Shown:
{"hour": 1, "minute": 33, "second": 41}
